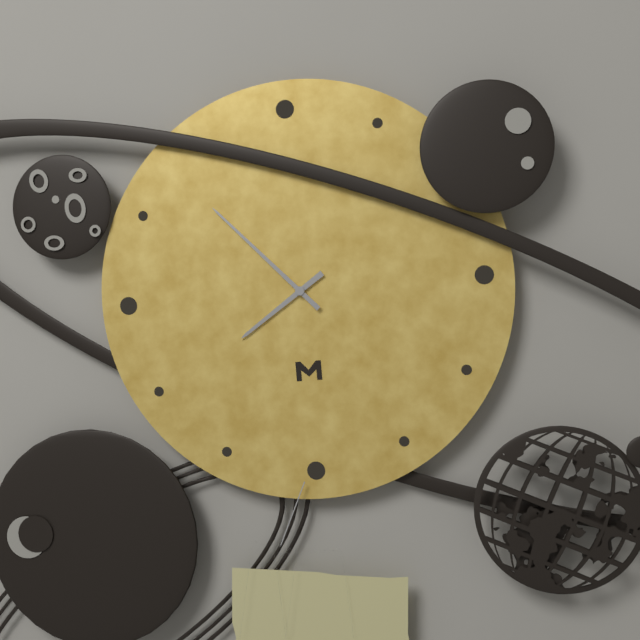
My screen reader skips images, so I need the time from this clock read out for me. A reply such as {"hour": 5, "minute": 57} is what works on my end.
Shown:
{"hour": 7, "minute": 53}
